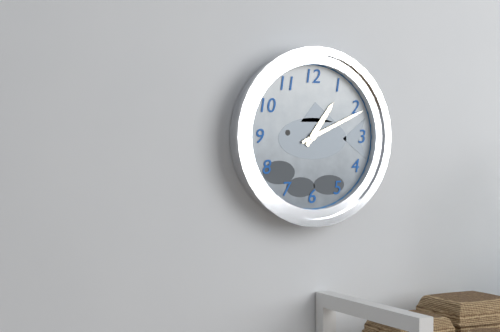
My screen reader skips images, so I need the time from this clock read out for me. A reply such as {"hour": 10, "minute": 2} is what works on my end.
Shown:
{"hour": 1, "minute": 11}
